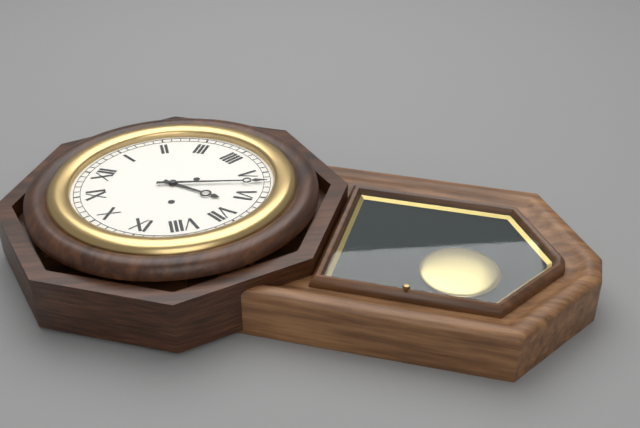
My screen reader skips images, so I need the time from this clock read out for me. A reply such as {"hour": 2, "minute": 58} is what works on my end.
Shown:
{"hour": 6, "minute": 27}
